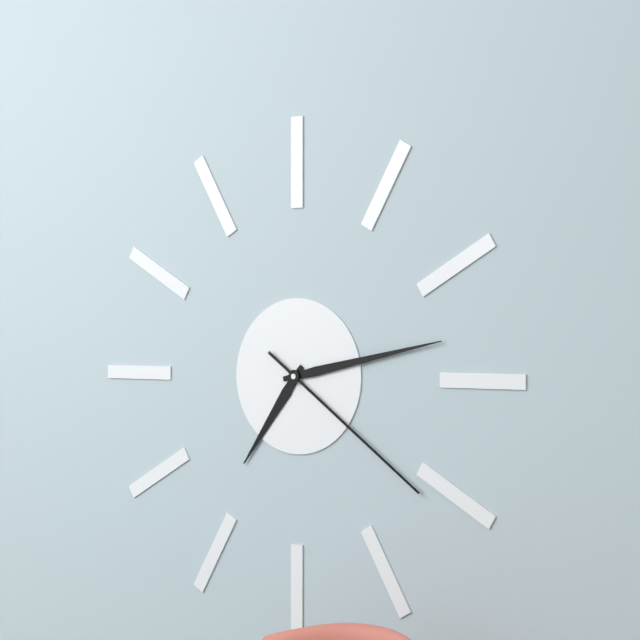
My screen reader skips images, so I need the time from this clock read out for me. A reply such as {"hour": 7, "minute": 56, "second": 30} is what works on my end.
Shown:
{"hour": 7, "minute": 13, "second": 21}
